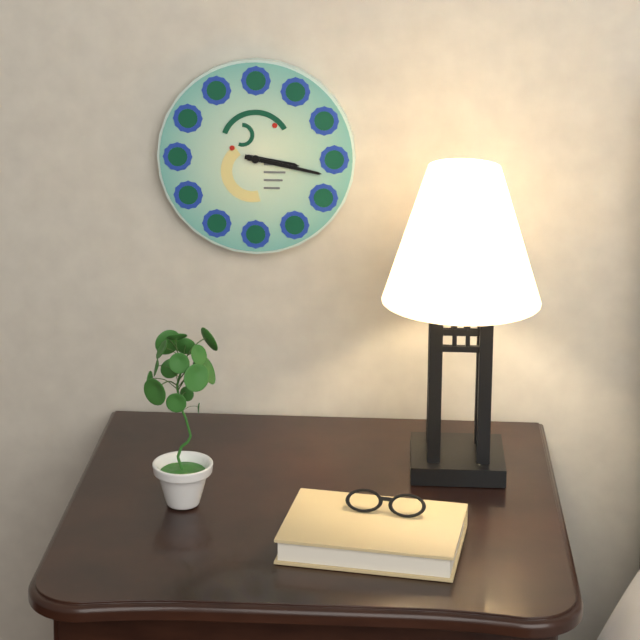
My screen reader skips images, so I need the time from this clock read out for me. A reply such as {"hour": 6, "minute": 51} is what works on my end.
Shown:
{"hour": 3, "minute": 17}
